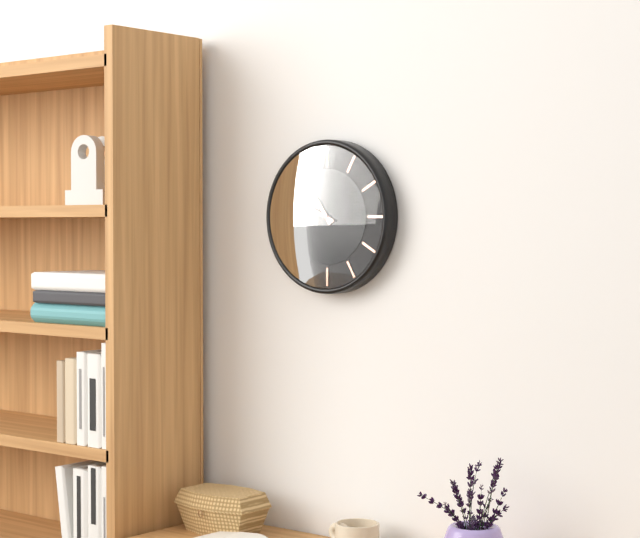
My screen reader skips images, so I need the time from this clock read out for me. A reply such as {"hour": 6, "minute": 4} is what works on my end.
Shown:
{"hour": 10, "minute": 49}
